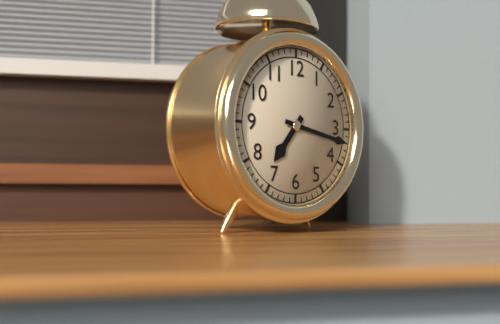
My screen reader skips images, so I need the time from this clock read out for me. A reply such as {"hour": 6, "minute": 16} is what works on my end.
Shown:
{"hour": 7, "minute": 17}
